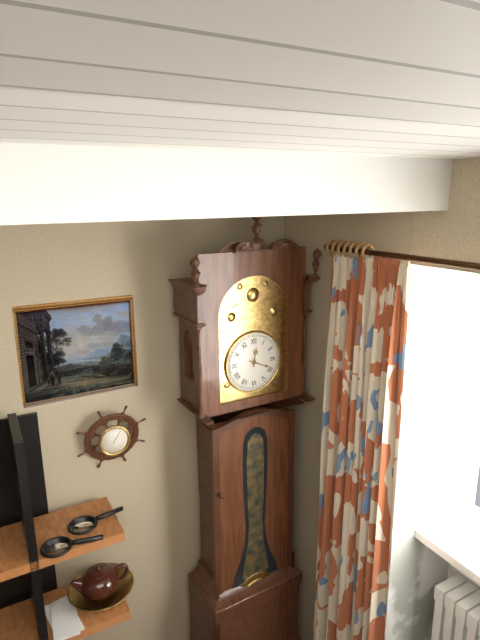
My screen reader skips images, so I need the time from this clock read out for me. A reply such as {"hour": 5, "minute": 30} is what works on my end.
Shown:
{"hour": 12, "minute": 19}
